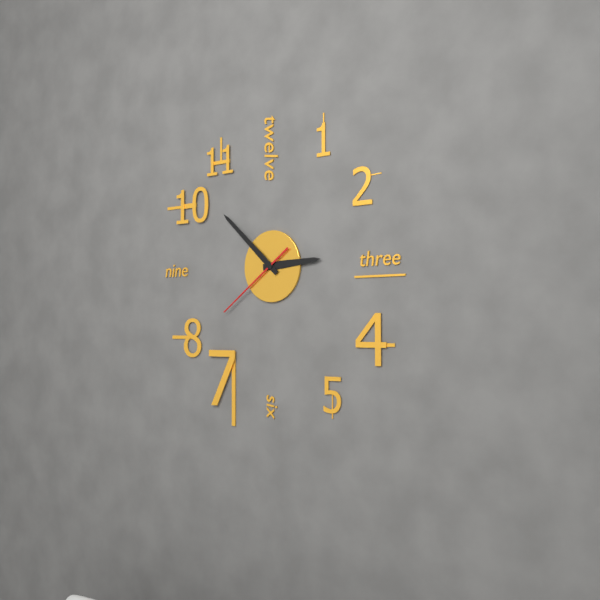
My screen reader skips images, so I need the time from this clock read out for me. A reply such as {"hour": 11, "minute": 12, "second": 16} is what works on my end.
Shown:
{"hour": 2, "minute": 52, "second": 39}
